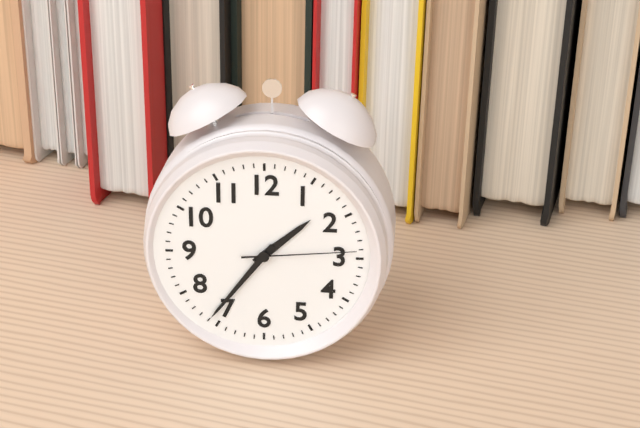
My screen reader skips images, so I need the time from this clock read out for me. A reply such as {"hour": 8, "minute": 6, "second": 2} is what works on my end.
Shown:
{"hour": 1, "minute": 36, "second": 14}
